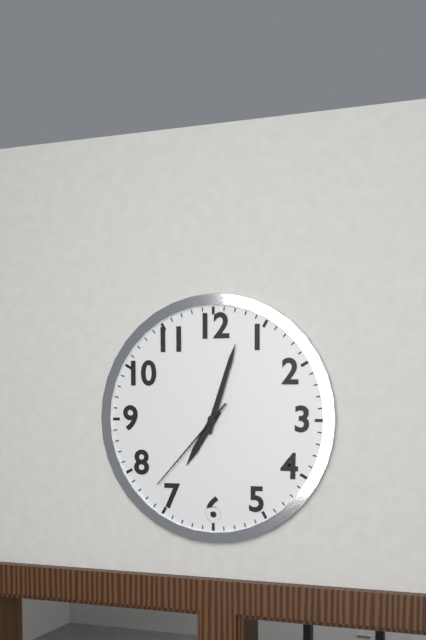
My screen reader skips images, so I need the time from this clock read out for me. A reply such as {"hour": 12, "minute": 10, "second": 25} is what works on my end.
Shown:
{"hour": 7, "minute": 3, "second": 37}
